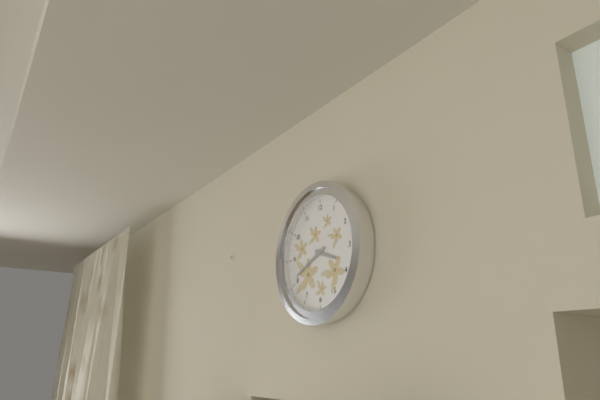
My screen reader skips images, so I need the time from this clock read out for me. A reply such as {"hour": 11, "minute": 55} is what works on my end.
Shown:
{"hour": 3, "minute": 41}
